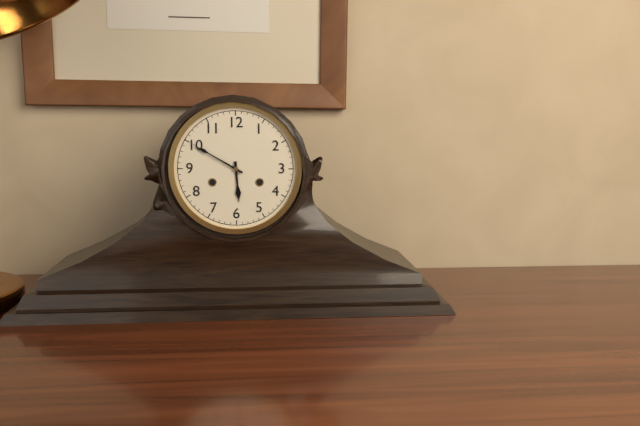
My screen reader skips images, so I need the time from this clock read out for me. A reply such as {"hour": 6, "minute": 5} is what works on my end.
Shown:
{"hour": 5, "minute": 50}
